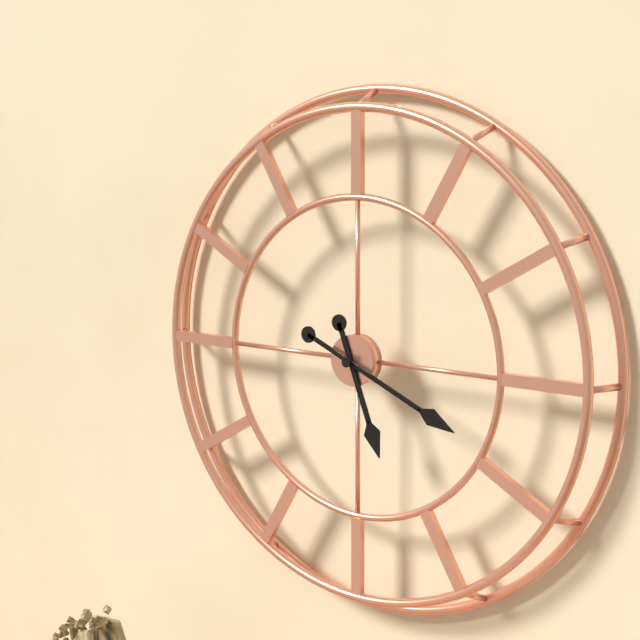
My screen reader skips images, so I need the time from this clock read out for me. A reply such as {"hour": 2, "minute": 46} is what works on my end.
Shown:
{"hour": 5, "minute": 19}
